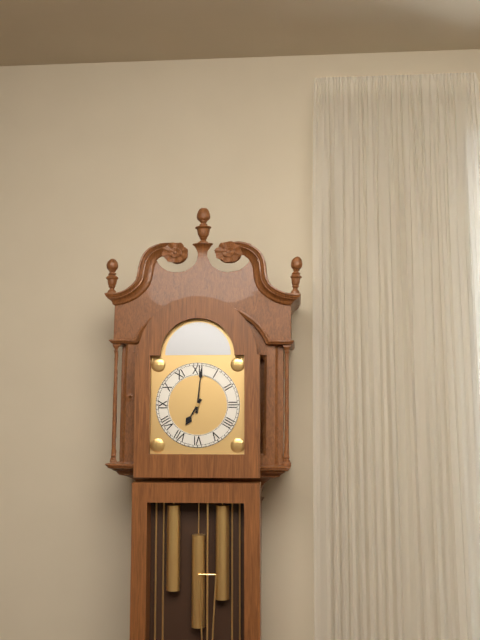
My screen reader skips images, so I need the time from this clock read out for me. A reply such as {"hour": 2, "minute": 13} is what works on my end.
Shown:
{"hour": 7, "minute": 1}
